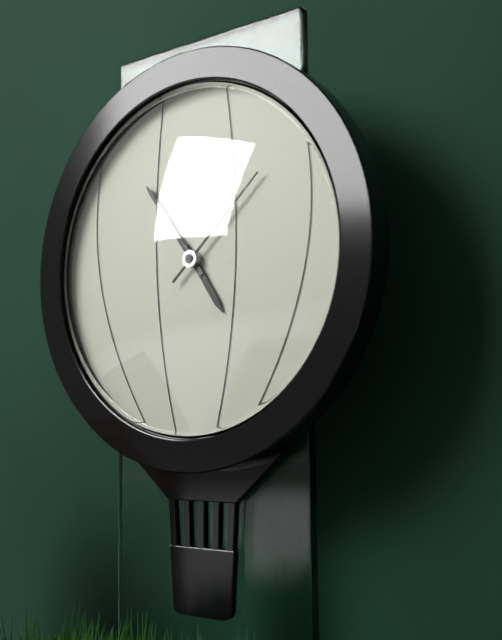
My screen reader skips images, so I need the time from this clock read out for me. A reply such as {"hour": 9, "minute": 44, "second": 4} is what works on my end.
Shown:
{"hour": 4, "minute": 54, "second": 8}
